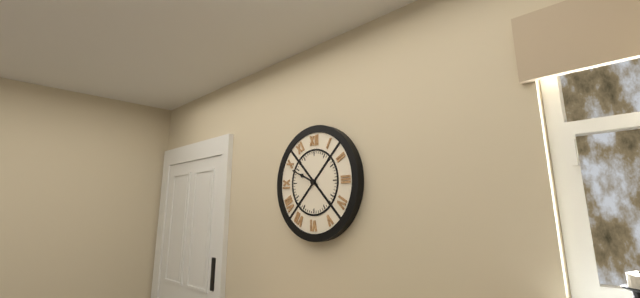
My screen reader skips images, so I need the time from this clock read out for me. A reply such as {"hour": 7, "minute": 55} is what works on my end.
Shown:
{"hour": 9, "minute": 49}
